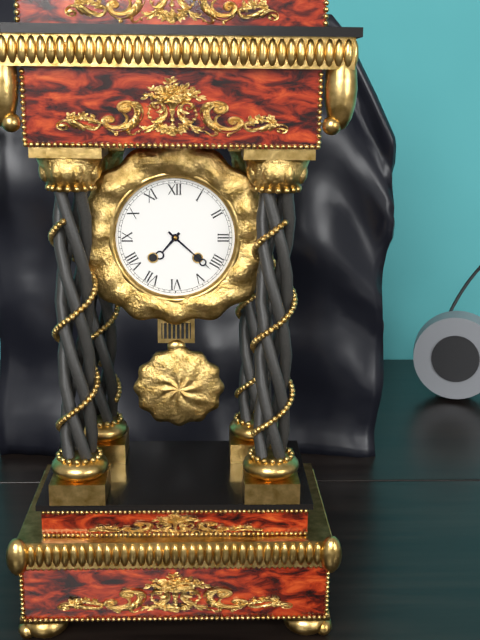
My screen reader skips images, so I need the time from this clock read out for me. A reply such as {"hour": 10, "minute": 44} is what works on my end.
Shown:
{"hour": 7, "minute": 22}
